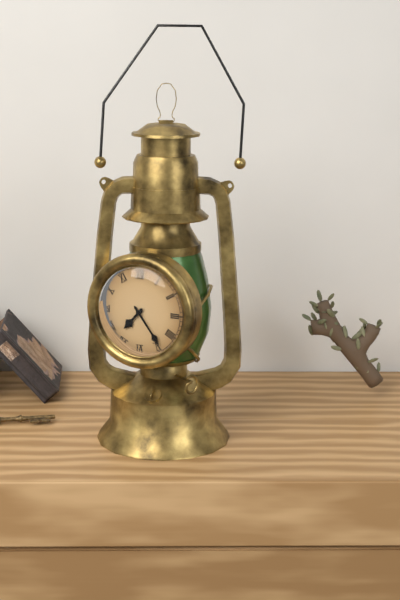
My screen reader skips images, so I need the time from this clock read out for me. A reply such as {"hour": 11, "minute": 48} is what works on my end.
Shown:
{"hour": 7, "minute": 24}
